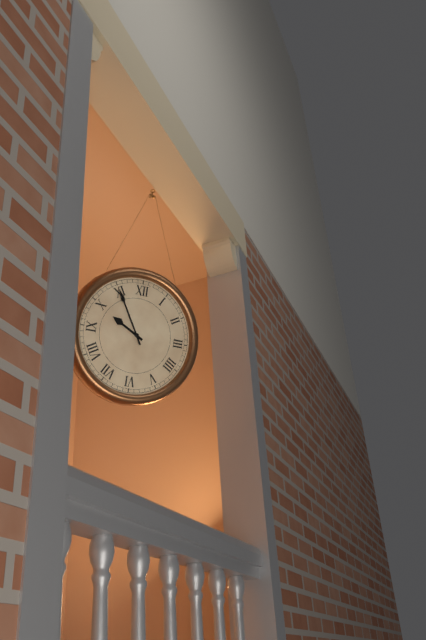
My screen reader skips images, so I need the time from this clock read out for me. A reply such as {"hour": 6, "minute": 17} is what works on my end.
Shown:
{"hour": 9, "minute": 55}
